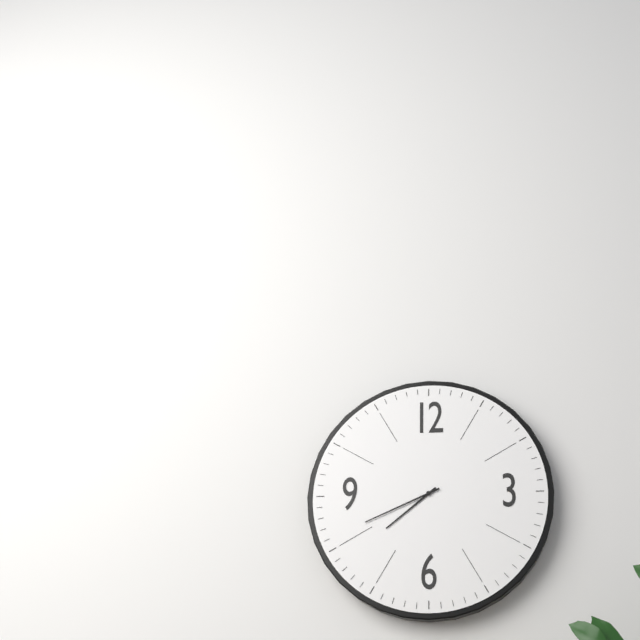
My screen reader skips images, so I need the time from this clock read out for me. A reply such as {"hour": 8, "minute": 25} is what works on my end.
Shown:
{"hour": 7, "minute": 41}
